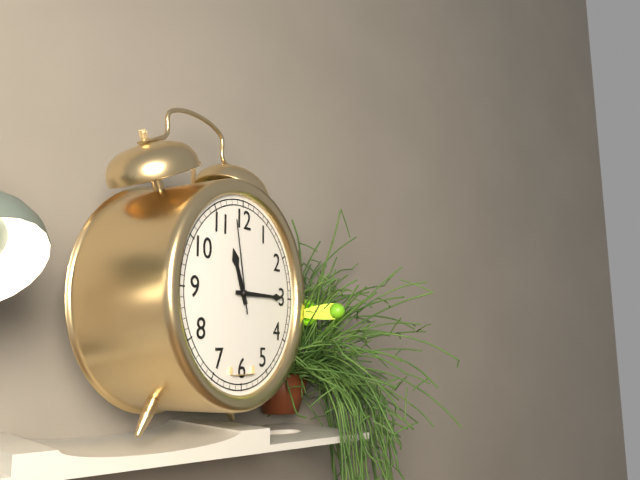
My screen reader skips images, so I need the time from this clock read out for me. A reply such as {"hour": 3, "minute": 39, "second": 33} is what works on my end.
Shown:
{"hour": 11, "minute": 15, "second": 58}
